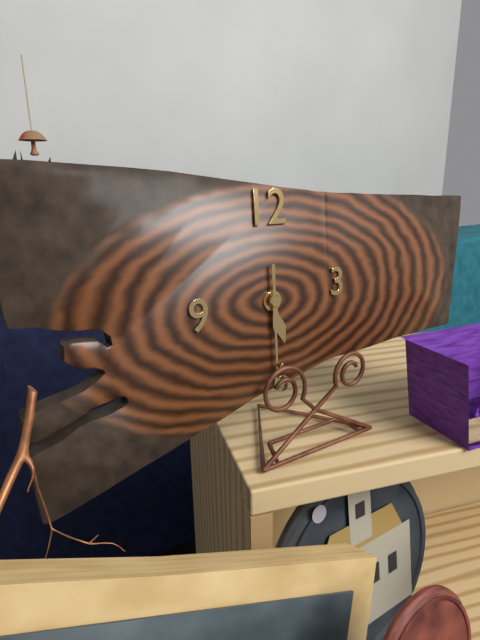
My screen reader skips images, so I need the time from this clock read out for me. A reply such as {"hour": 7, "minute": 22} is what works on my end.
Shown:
{"hour": 5, "minute": 30}
